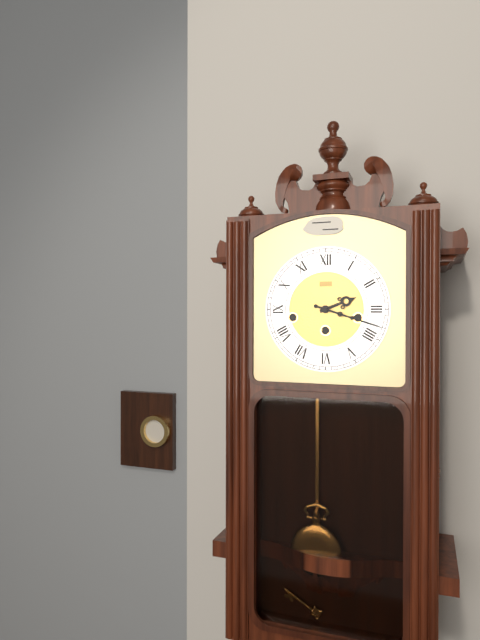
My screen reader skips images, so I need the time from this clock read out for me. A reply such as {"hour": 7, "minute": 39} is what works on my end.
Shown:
{"hour": 2, "minute": 18}
